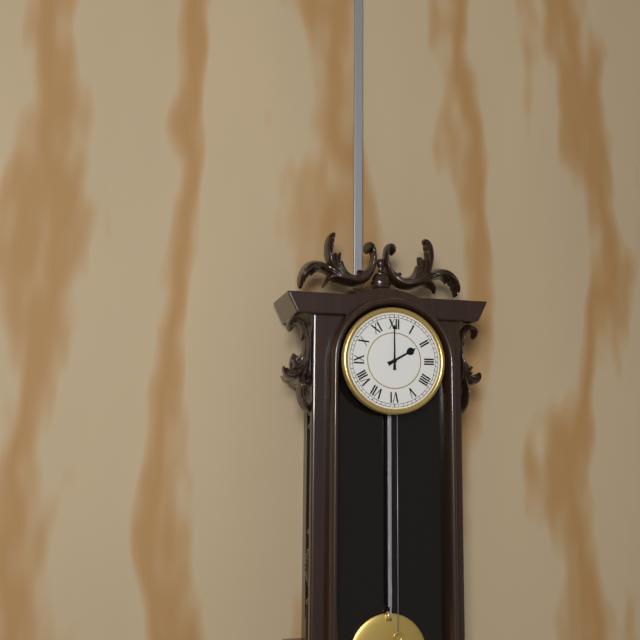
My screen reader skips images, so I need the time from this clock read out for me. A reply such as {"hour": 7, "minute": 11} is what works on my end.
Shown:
{"hour": 2, "minute": 0}
